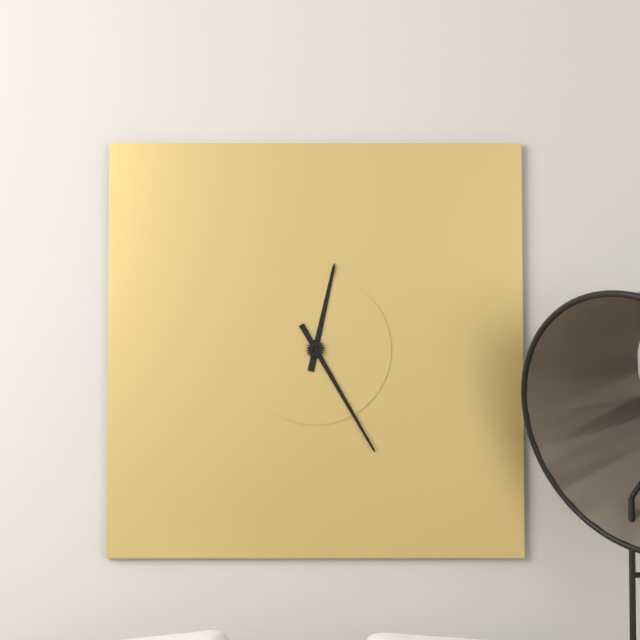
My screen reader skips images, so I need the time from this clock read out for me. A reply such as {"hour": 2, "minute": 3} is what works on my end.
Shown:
{"hour": 12, "minute": 25}
